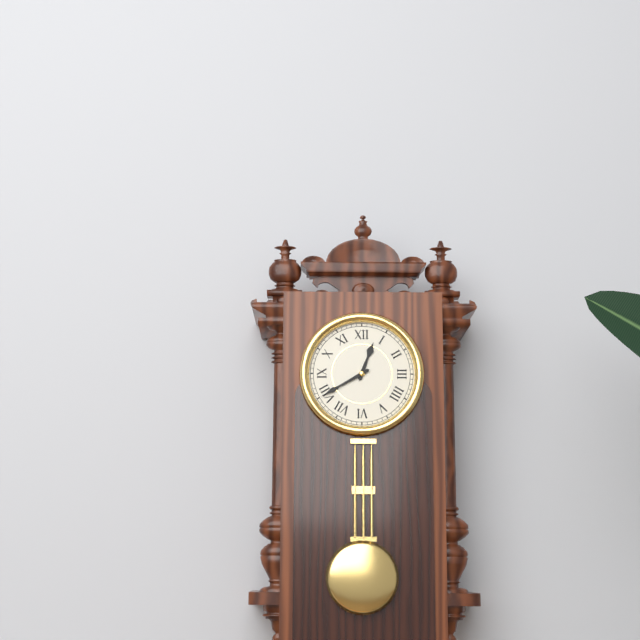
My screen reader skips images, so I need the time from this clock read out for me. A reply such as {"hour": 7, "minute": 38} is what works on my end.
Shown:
{"hour": 12, "minute": 40}
